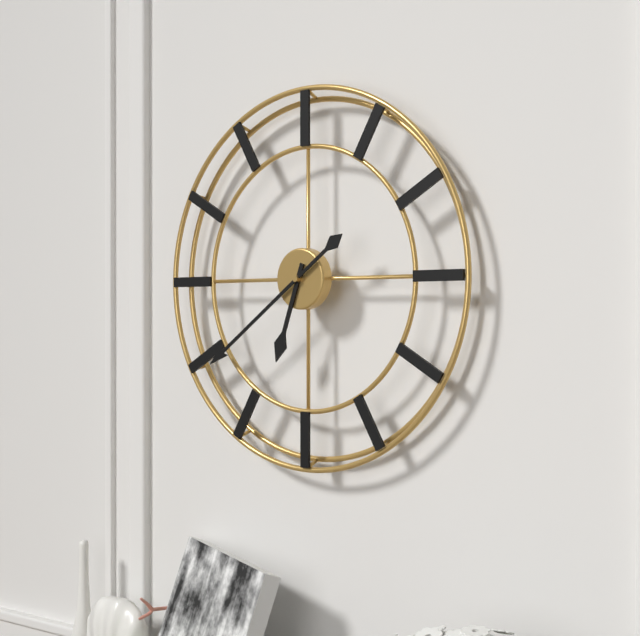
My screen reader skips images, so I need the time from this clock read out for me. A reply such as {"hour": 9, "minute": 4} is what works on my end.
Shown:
{"hour": 6, "minute": 39}
